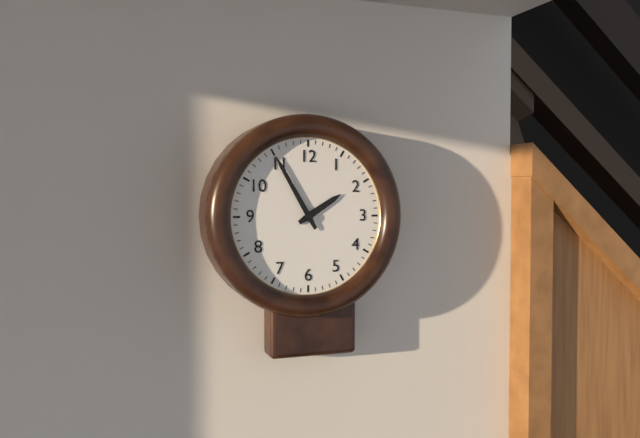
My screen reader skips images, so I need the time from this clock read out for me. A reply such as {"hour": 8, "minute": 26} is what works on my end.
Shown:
{"hour": 1, "minute": 55}
